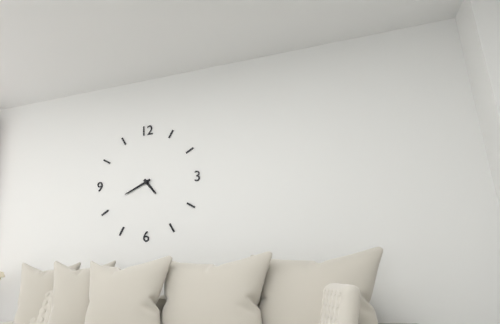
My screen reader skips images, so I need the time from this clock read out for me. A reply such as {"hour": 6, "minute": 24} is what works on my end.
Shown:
{"hour": 4, "minute": 41}
